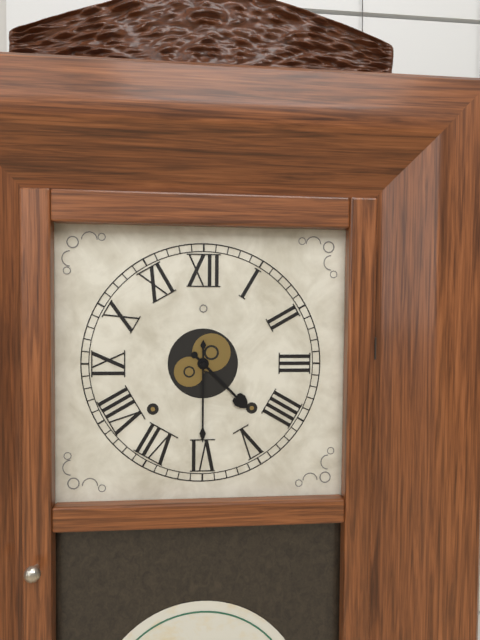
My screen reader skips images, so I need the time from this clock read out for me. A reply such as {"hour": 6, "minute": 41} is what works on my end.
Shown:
{"hour": 4, "minute": 30}
